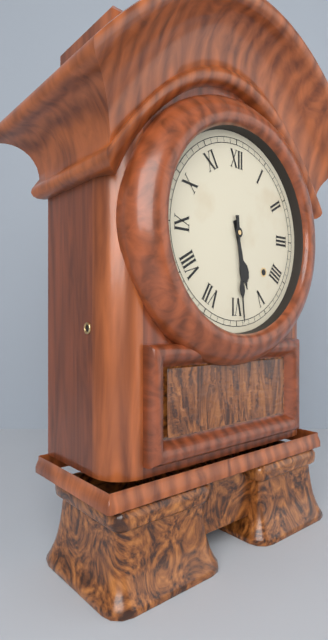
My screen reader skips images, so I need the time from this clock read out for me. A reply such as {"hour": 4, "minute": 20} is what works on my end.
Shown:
{"hour": 5, "minute": 29}
